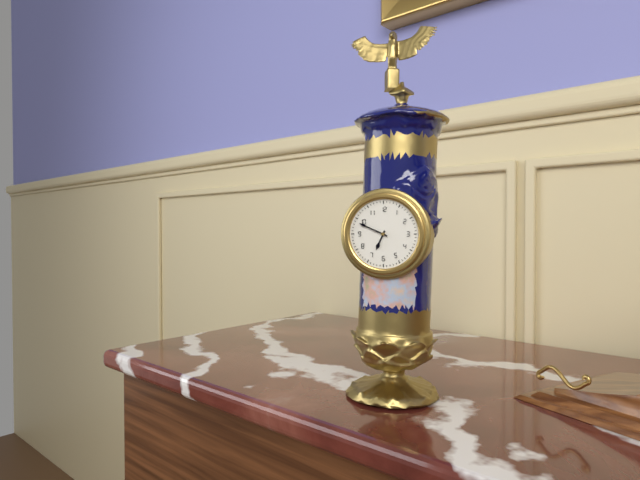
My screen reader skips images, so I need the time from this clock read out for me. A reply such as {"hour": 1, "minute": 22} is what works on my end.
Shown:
{"hour": 6, "minute": 49}
